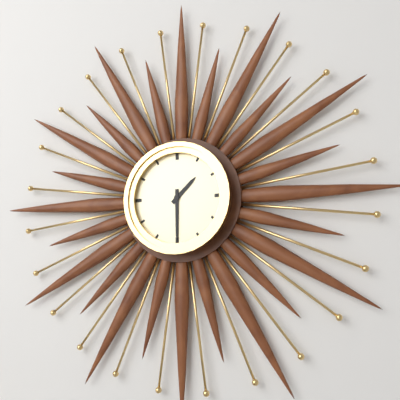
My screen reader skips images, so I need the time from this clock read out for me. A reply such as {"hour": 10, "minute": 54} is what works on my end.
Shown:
{"hour": 1, "minute": 30}
